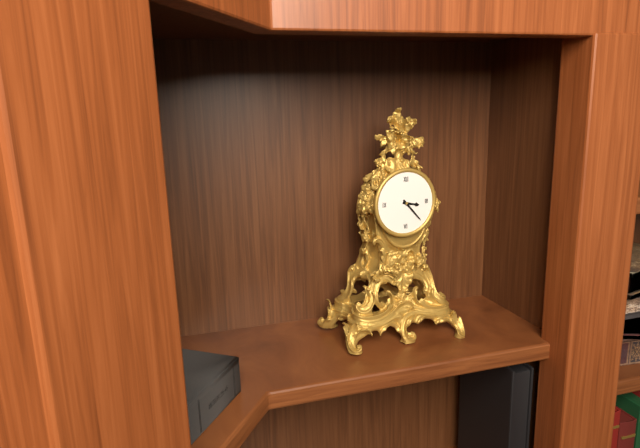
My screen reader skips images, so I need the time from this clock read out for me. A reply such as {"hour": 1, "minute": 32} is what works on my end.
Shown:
{"hour": 3, "minute": 23}
